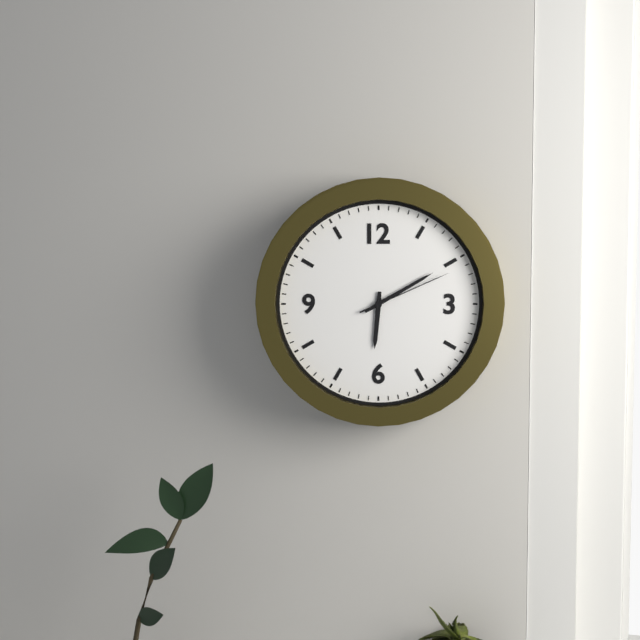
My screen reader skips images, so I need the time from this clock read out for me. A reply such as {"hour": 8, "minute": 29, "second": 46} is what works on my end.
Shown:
{"hour": 6, "minute": 10, "second": 11}
